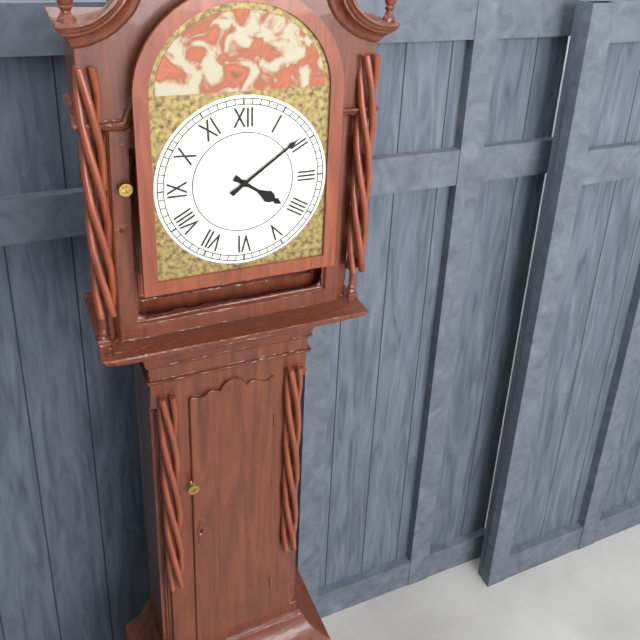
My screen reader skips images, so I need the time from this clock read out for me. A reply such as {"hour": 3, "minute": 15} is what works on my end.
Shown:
{"hour": 4, "minute": 9}
